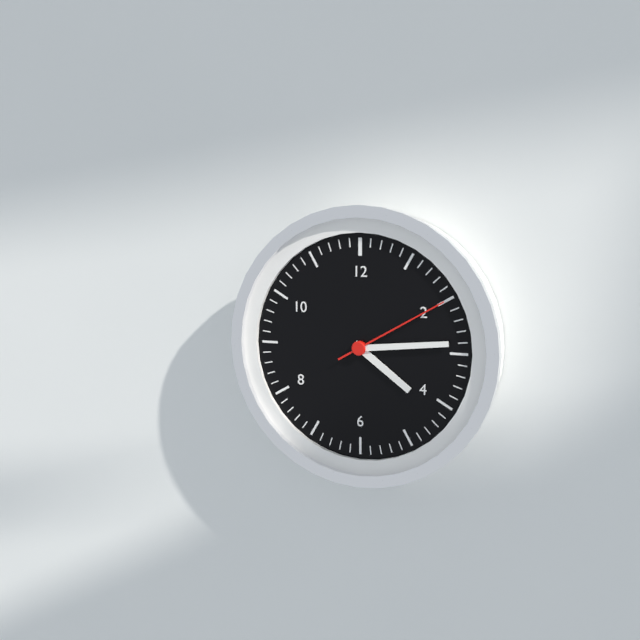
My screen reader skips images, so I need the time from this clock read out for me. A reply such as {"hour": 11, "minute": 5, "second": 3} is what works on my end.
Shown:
{"hour": 4, "minute": 14, "second": 10}
